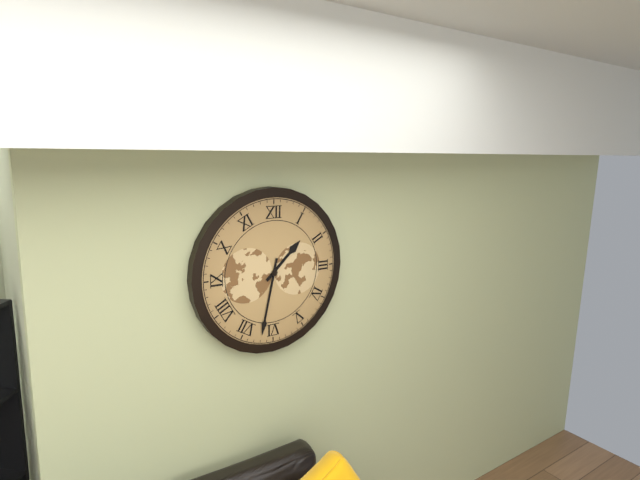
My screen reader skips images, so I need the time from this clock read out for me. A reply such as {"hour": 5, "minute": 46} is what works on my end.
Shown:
{"hour": 1, "minute": 32}
